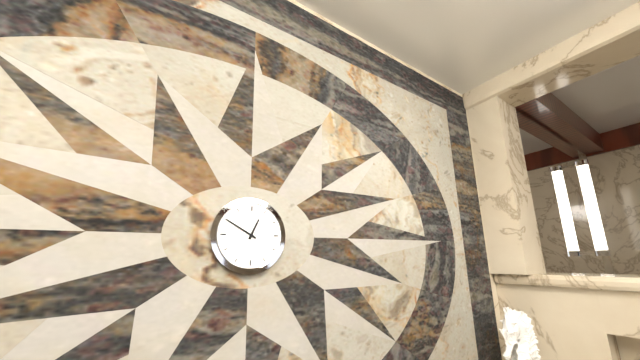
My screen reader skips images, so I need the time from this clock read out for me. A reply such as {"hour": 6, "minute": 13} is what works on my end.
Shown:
{"hour": 12, "minute": 50}
